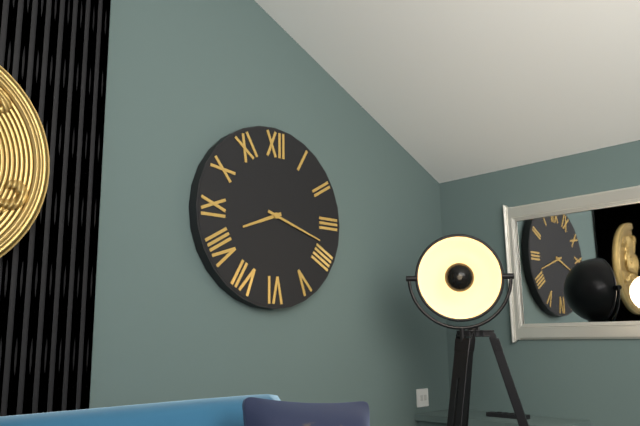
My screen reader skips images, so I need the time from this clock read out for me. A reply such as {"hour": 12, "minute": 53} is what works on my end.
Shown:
{"hour": 8, "minute": 18}
